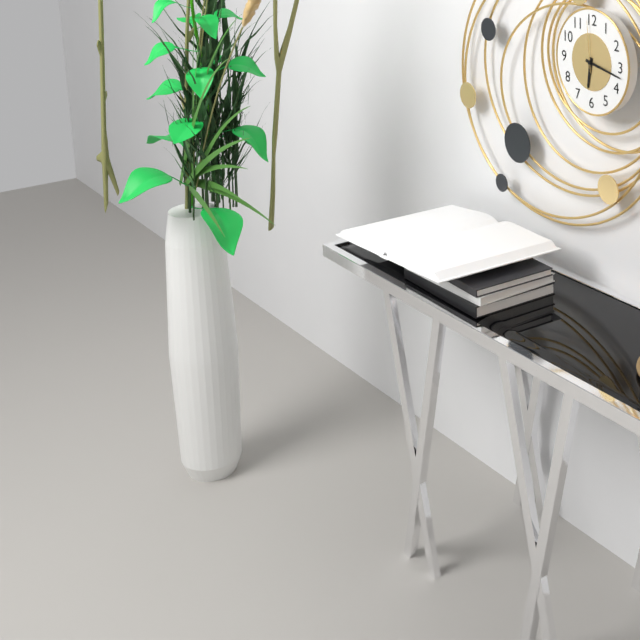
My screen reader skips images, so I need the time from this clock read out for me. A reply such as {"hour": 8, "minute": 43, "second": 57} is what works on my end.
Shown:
{"hour": 6, "minute": 17, "second": 59}
